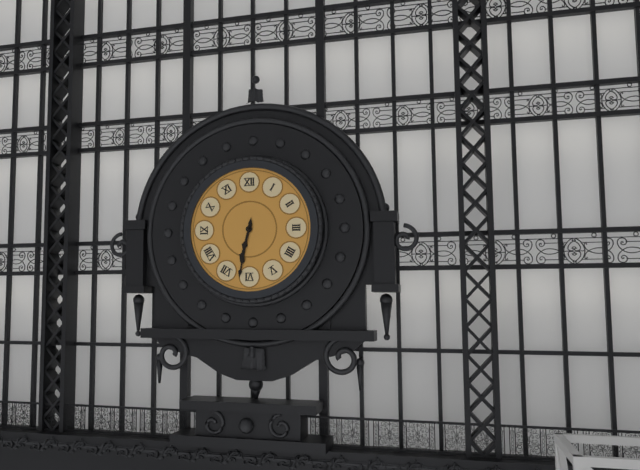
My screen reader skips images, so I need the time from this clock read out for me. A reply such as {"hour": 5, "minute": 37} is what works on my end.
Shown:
{"hour": 6, "minute": 32}
